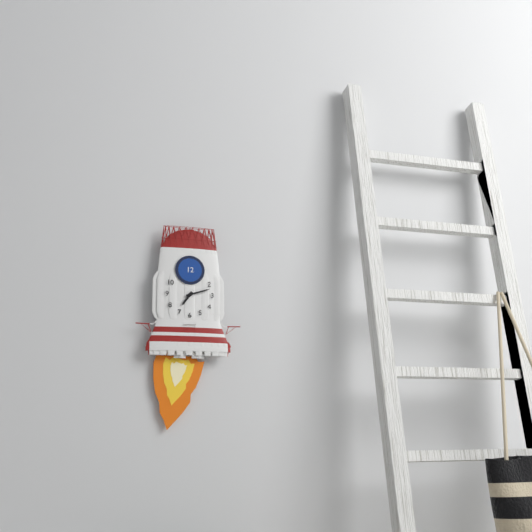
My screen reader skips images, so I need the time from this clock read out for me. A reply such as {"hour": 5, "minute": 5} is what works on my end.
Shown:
{"hour": 7, "minute": 12}
